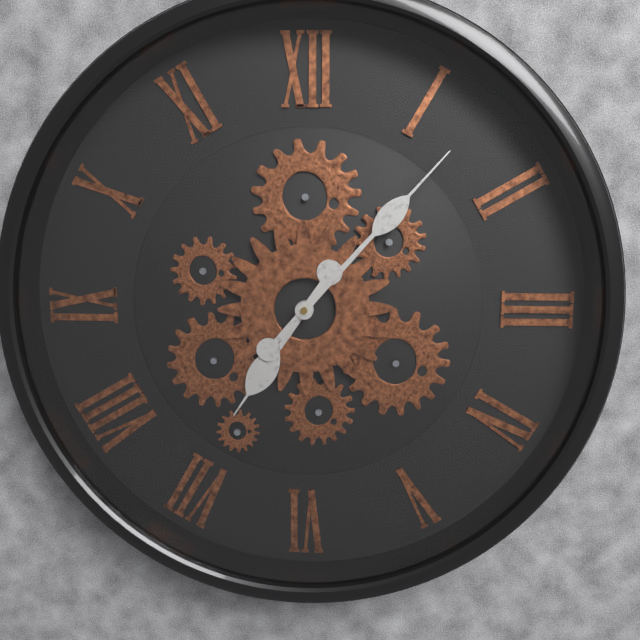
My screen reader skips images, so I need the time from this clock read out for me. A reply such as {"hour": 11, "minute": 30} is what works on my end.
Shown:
{"hour": 7, "minute": 7}
